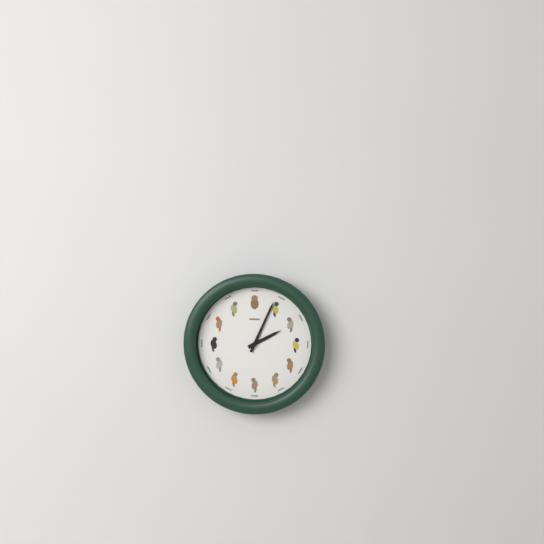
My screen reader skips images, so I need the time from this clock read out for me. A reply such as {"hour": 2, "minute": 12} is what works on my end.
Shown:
{"hour": 2, "minute": 4}
